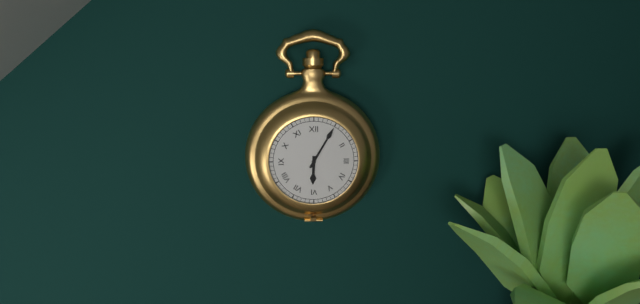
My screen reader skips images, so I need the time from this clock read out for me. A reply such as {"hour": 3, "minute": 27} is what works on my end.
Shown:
{"hour": 6, "minute": 5}
